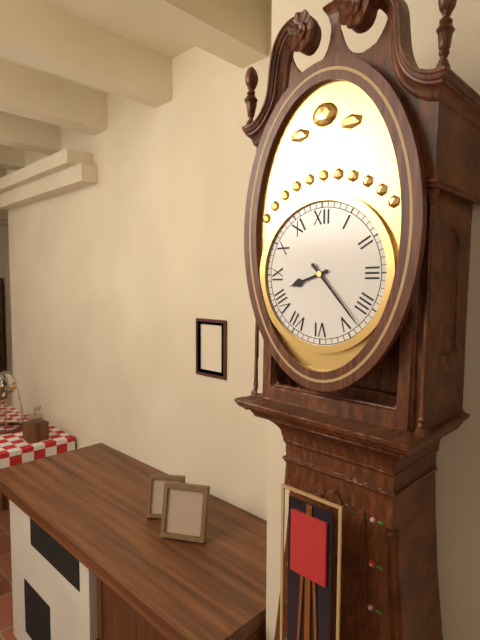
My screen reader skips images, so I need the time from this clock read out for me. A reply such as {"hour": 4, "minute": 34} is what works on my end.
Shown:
{"hour": 8, "minute": 23}
